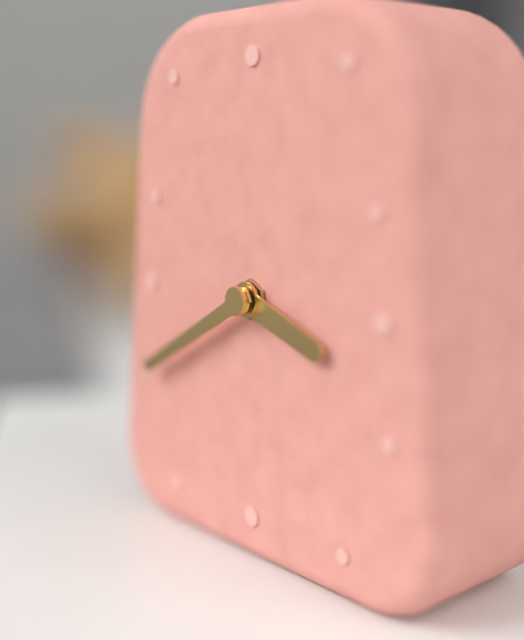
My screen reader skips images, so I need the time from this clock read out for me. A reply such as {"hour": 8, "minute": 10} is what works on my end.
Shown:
{"hour": 3, "minute": 40}
